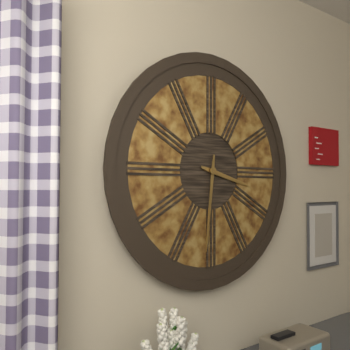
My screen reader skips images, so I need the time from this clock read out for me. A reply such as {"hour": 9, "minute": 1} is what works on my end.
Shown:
{"hour": 3, "minute": 31}
